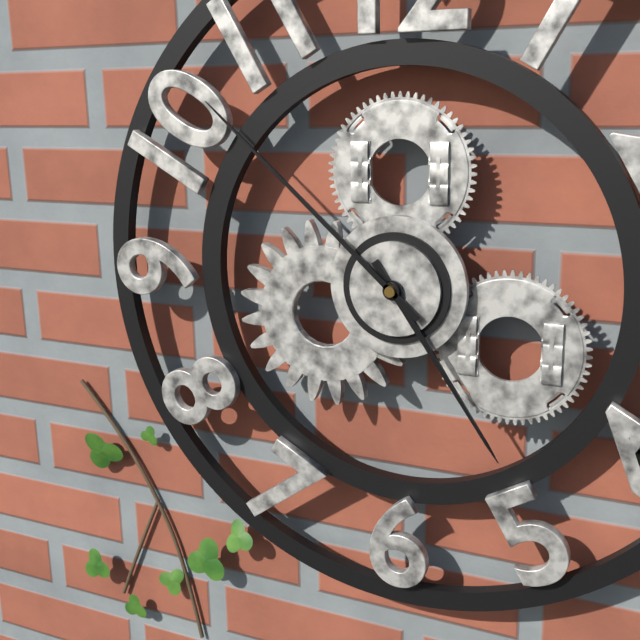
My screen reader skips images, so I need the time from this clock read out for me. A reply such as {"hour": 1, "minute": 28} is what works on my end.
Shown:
{"hour": 4, "minute": 52}
